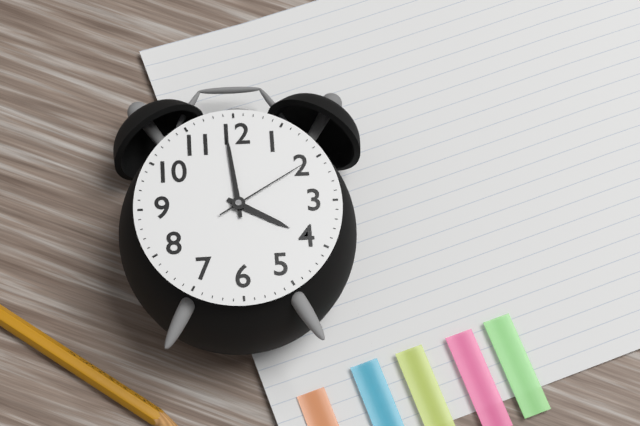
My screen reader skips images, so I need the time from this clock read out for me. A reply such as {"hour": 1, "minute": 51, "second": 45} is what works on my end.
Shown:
{"hour": 3, "minute": 59, "second": 10}
